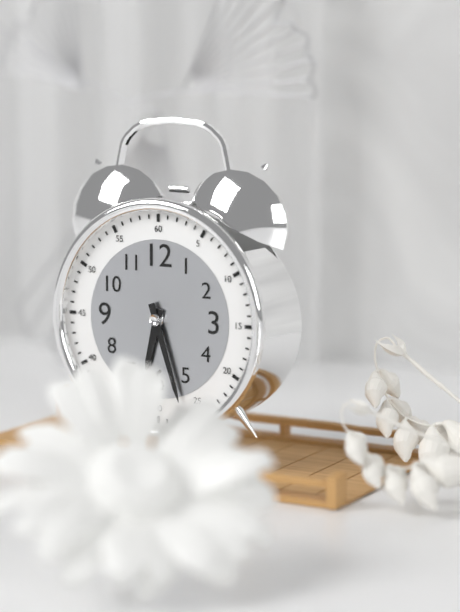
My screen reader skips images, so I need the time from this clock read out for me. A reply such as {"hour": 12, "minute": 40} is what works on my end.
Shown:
{"hour": 6, "minute": 27}
